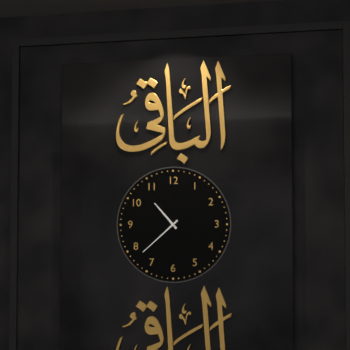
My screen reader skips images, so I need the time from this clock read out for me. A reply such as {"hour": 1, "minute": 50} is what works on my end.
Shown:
{"hour": 10, "minute": 38}
